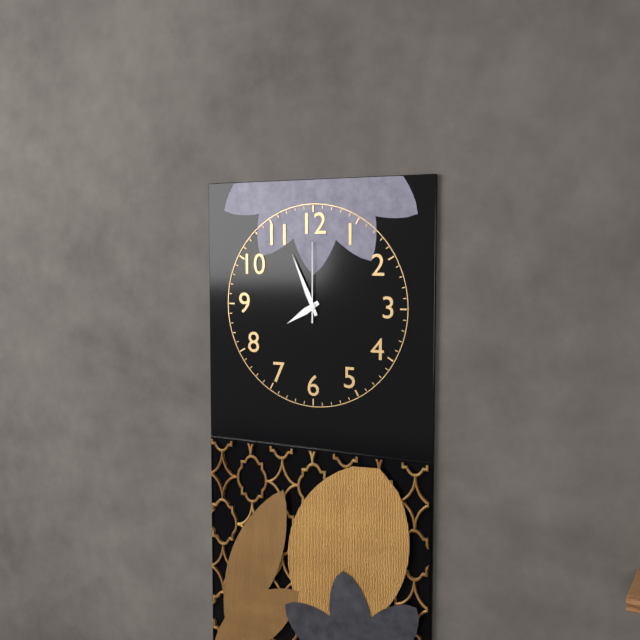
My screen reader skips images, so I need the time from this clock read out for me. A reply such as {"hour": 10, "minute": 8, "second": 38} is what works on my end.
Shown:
{"hour": 7, "minute": 56, "second": 0}
